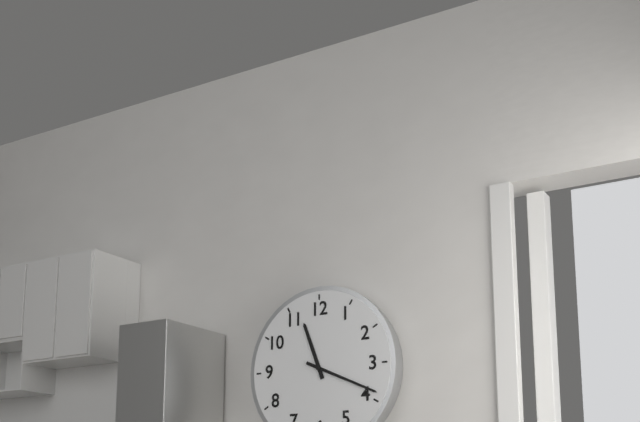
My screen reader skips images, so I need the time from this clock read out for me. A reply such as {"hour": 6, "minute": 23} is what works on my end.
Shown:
{"hour": 11, "minute": 19}
